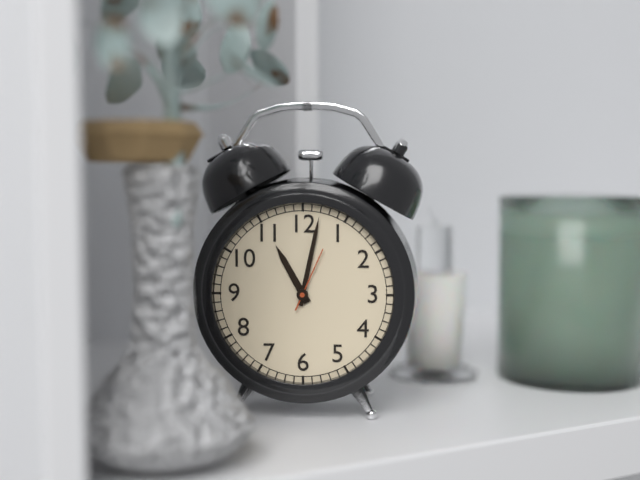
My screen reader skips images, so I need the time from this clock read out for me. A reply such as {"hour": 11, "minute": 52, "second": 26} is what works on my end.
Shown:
{"hour": 11, "minute": 2, "second": 4}
